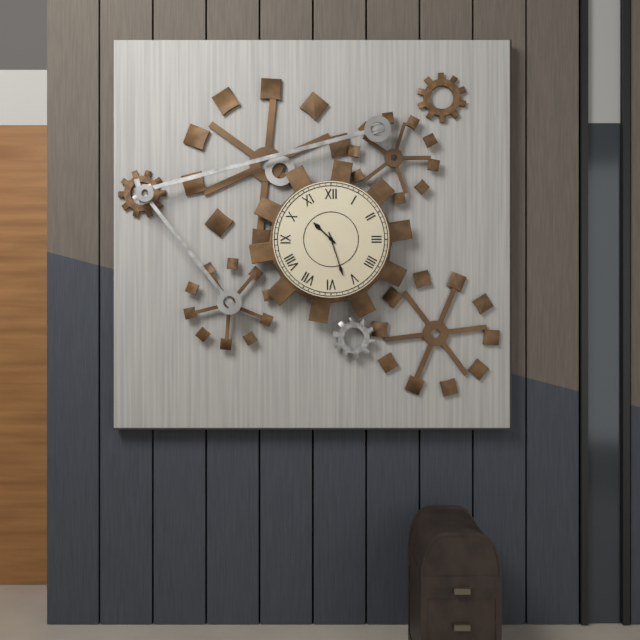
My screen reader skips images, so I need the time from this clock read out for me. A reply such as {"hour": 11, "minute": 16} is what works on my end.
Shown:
{"hour": 10, "minute": 27}
